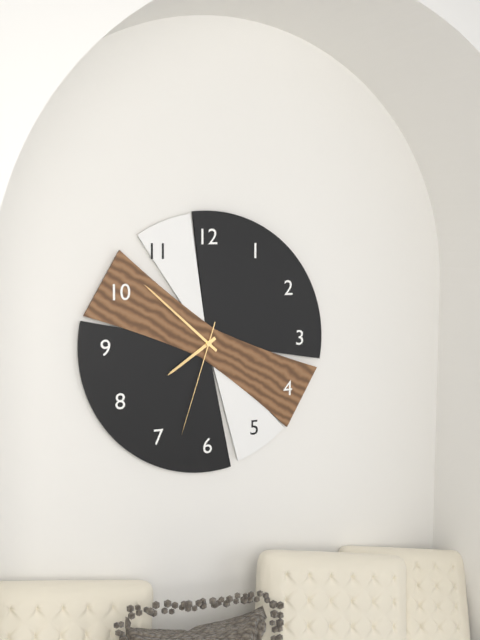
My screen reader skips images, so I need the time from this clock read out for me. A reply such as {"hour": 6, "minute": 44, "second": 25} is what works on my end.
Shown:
{"hour": 7, "minute": 52, "second": 33}
